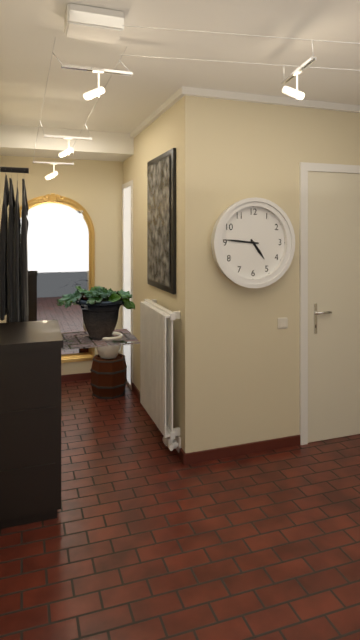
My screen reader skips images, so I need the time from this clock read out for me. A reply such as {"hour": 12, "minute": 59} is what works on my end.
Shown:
{"hour": 4, "minute": 46}
